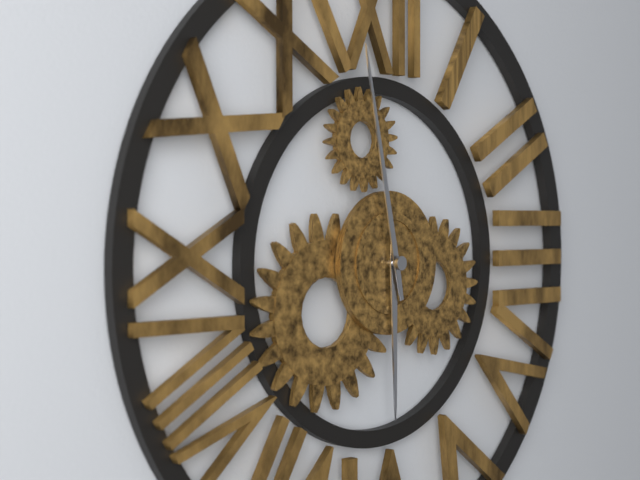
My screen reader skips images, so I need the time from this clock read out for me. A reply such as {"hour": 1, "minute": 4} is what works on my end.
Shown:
{"hour": 5, "minute": 58}
